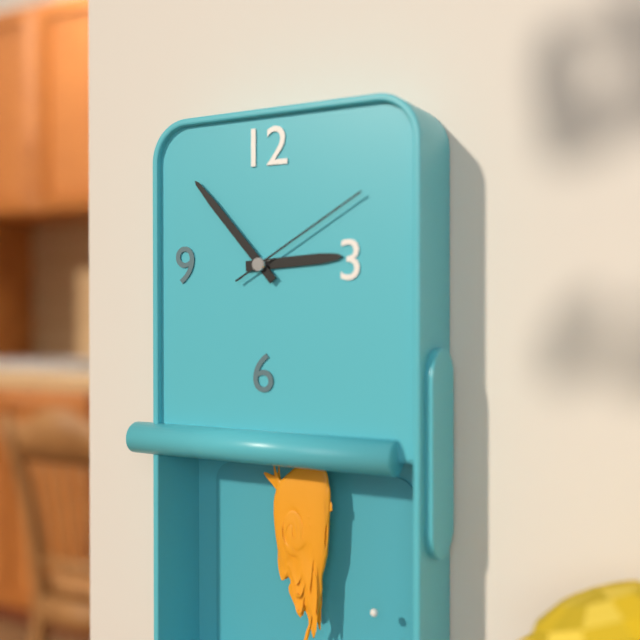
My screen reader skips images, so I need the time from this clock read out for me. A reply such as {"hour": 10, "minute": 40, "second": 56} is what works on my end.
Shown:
{"hour": 2, "minute": 53, "second": 10}
